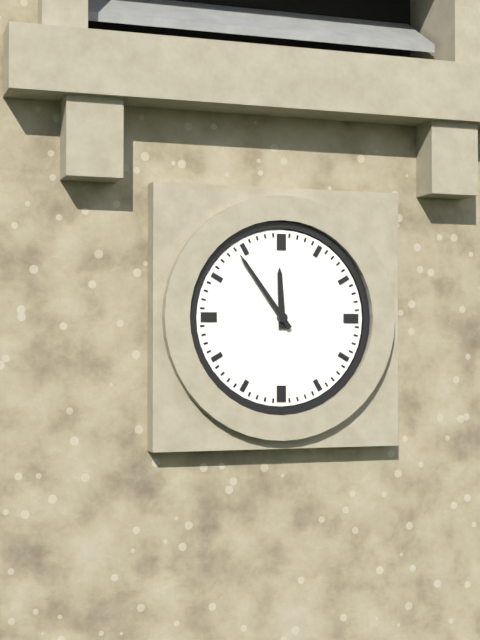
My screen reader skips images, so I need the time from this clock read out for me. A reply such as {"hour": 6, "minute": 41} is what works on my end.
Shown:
{"hour": 11, "minute": 54}
